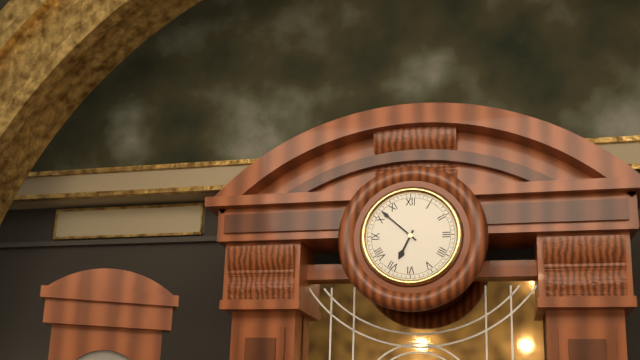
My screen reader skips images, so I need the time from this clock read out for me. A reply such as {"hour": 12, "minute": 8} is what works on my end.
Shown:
{"hour": 6, "minute": 52}
